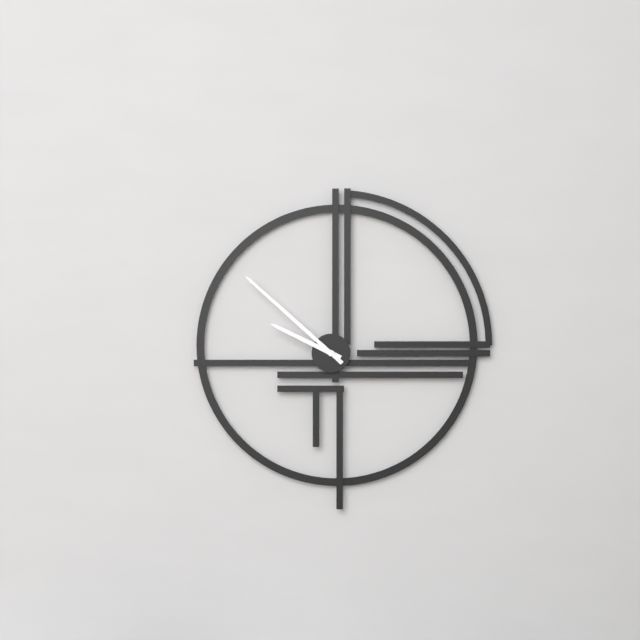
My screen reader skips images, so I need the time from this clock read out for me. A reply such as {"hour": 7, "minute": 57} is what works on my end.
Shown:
{"hour": 9, "minute": 52}
